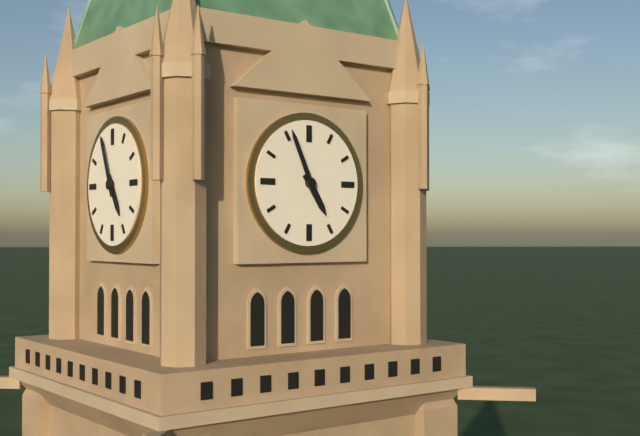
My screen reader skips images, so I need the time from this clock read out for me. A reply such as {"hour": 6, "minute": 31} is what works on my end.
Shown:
{"hour": 4, "minute": 56}
